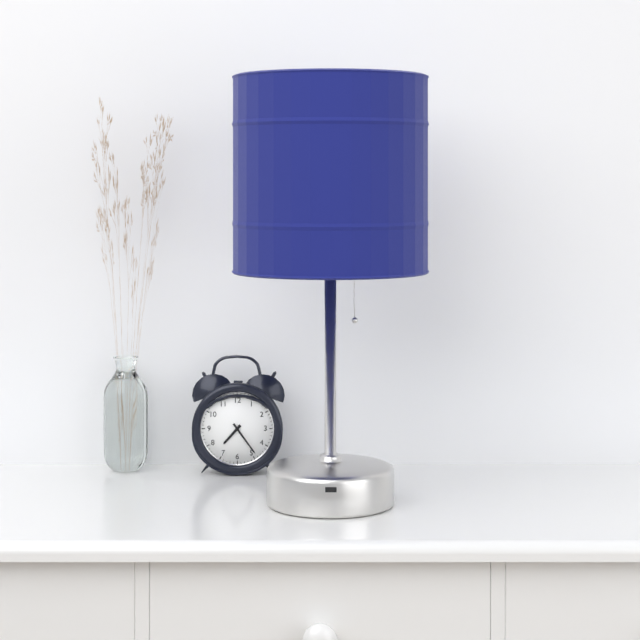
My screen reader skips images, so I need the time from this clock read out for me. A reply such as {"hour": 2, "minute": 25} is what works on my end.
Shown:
{"hour": 7, "minute": 24}
